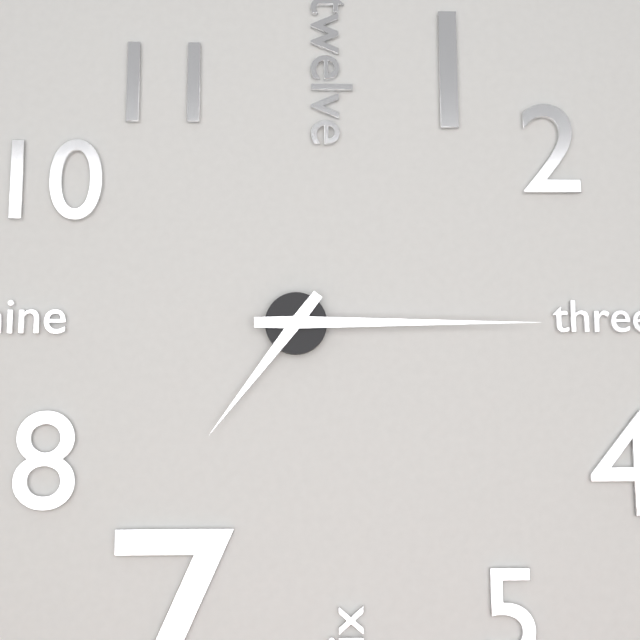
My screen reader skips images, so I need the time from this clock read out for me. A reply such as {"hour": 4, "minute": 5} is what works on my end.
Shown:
{"hour": 7, "minute": 15}
